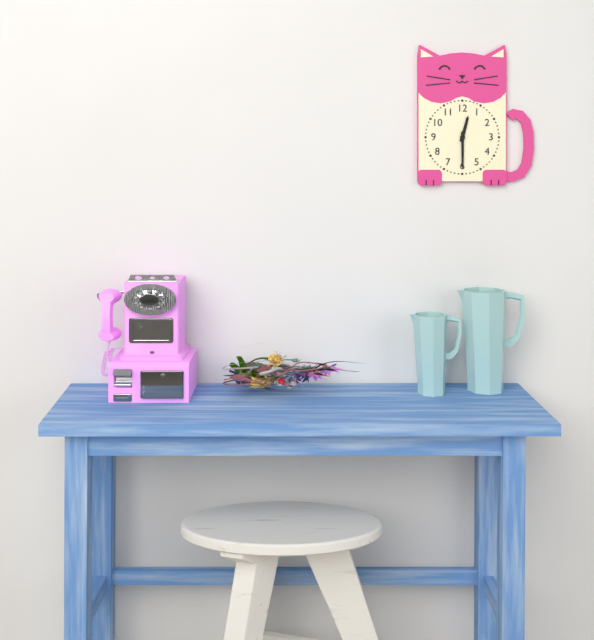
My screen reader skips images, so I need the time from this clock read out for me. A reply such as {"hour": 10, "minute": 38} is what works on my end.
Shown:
{"hour": 12, "minute": 30}
